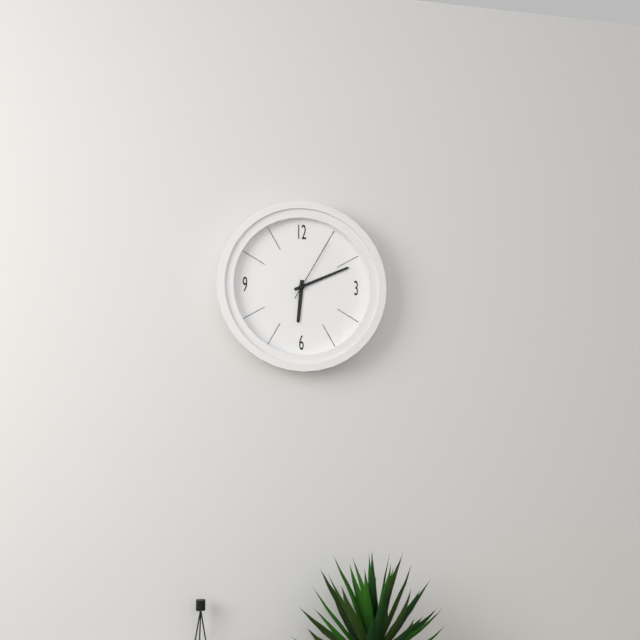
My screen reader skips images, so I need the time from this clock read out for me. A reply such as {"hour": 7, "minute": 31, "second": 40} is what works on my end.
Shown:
{"hour": 6, "minute": 11, "second": 5}
